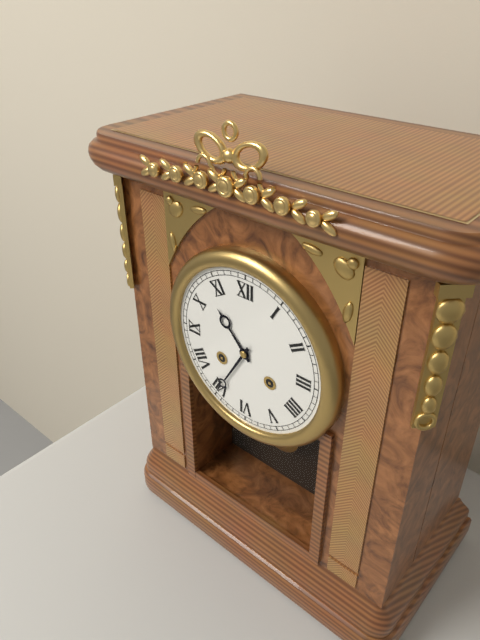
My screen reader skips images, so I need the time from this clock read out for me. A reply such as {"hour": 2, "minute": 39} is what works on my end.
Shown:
{"hour": 10, "minute": 35}
